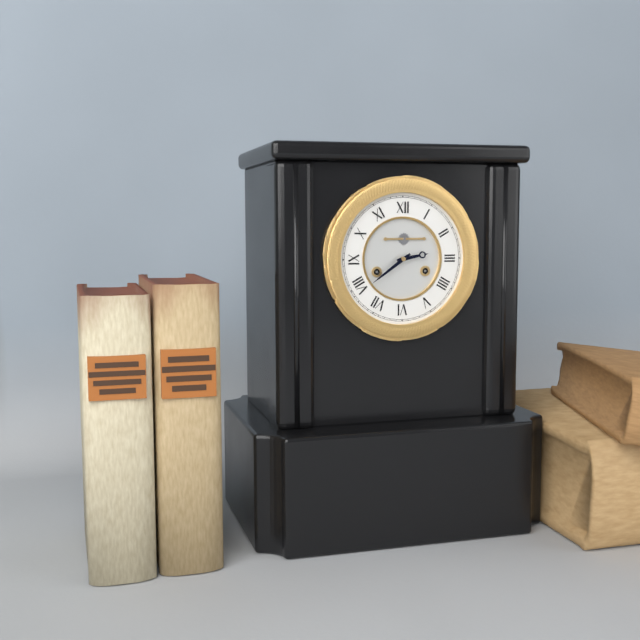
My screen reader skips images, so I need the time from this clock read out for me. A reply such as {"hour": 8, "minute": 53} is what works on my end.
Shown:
{"hour": 2, "minute": 39}
